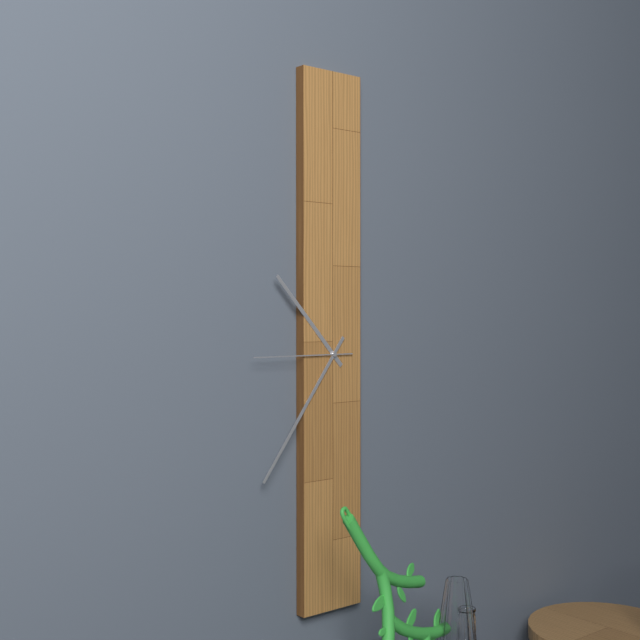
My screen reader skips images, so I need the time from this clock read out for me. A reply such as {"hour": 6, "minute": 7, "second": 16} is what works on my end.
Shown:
{"hour": 10, "minute": 36, "second": 45}
